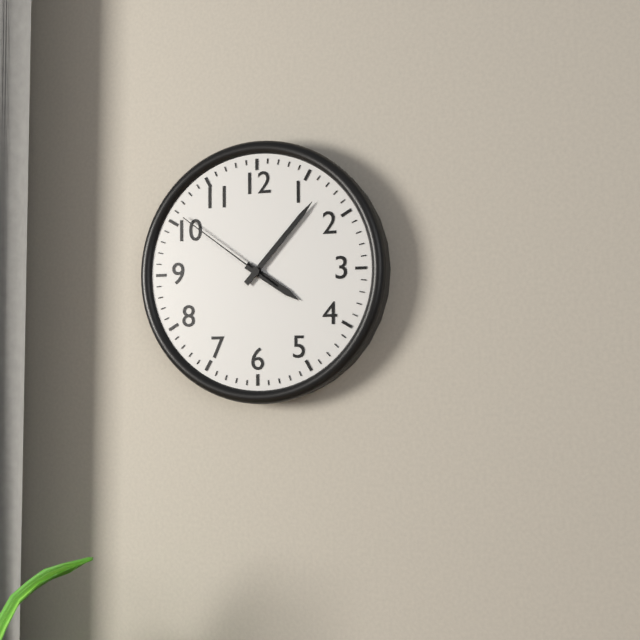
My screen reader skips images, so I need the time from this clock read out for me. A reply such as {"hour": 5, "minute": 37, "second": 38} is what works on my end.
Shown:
{"hour": 4, "minute": 7, "second": 51}
